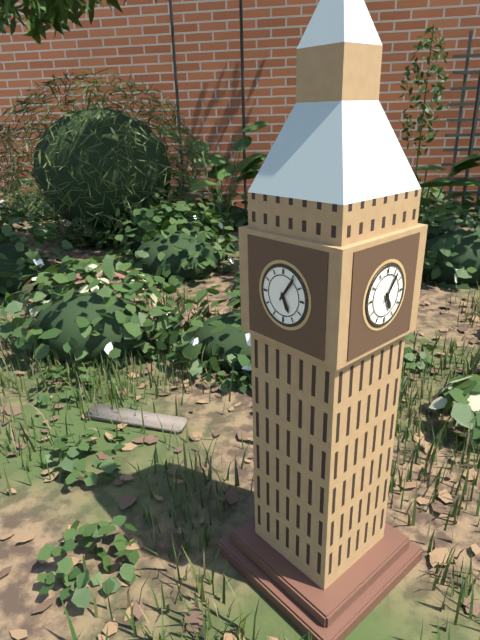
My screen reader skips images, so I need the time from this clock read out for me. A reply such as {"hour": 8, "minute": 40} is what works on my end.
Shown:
{"hour": 5, "minute": 6}
